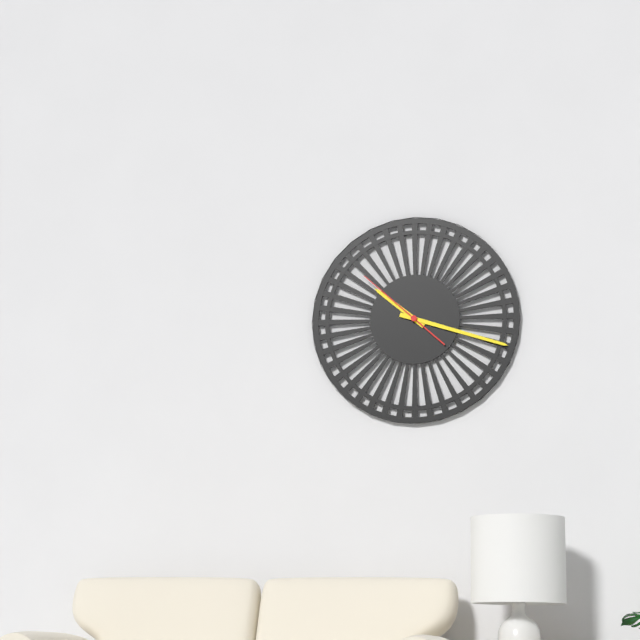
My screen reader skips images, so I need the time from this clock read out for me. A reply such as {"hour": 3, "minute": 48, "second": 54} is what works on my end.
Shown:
{"hour": 10, "minute": 18, "second": 52}
